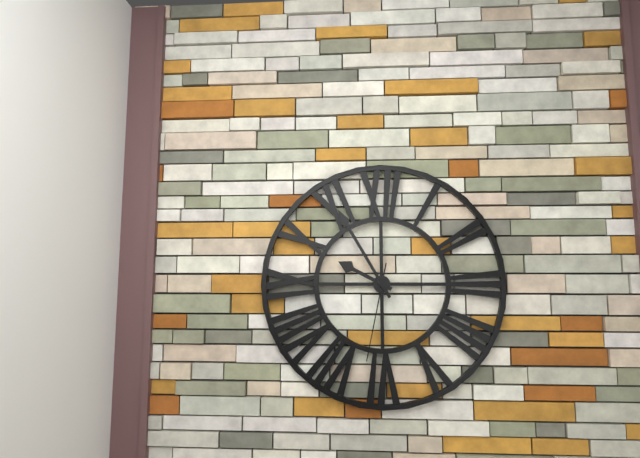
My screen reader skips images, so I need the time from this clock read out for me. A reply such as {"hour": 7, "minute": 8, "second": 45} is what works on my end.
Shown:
{"hour": 9, "minute": 55, "second": 32}
